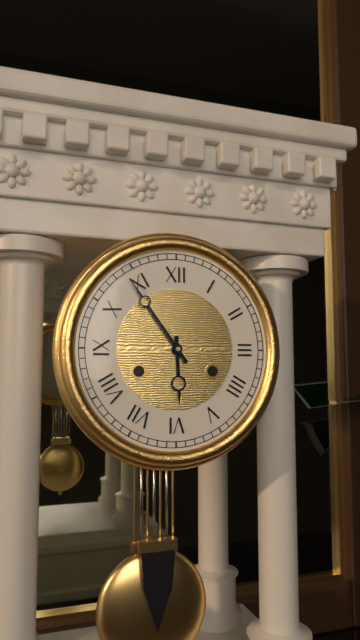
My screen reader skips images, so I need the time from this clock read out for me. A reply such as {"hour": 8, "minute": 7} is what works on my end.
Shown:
{"hour": 5, "minute": 54}
